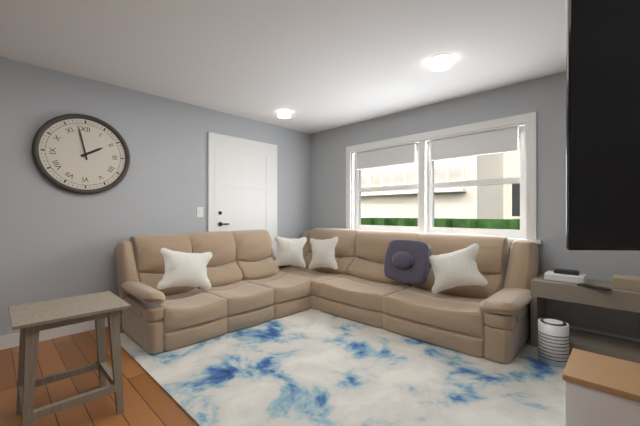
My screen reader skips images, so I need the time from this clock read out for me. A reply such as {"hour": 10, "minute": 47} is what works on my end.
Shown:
{"hour": 1, "minute": 58}
